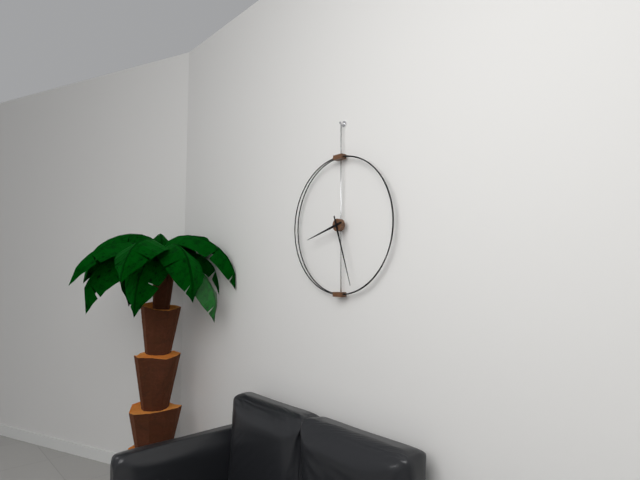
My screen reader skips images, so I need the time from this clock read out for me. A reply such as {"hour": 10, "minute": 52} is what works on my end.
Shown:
{"hour": 8, "minute": 27}
